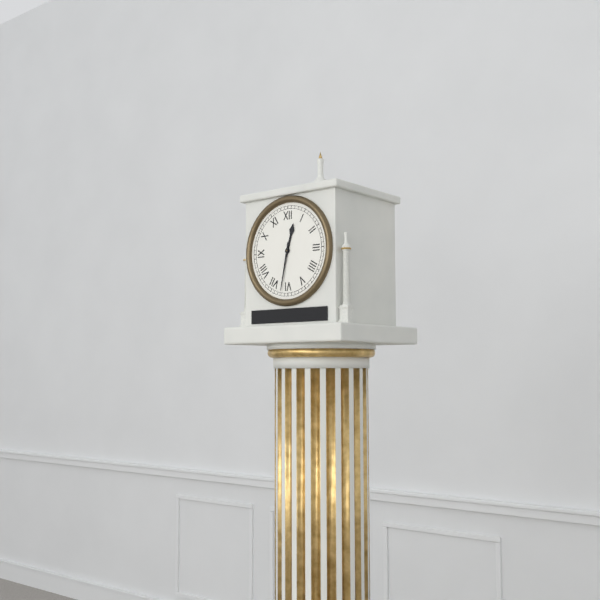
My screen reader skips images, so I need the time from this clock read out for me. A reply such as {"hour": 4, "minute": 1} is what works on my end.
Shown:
{"hour": 12, "minute": 32}
